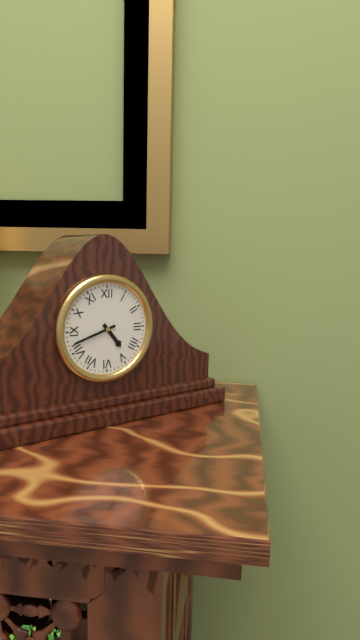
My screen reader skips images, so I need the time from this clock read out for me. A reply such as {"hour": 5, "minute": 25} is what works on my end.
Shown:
{"hour": 4, "minute": 42}
